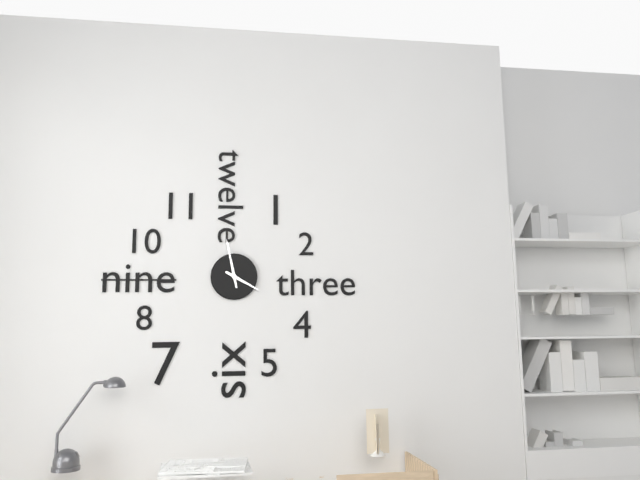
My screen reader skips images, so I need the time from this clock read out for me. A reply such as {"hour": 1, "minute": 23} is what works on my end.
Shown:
{"hour": 3, "minute": 58}
